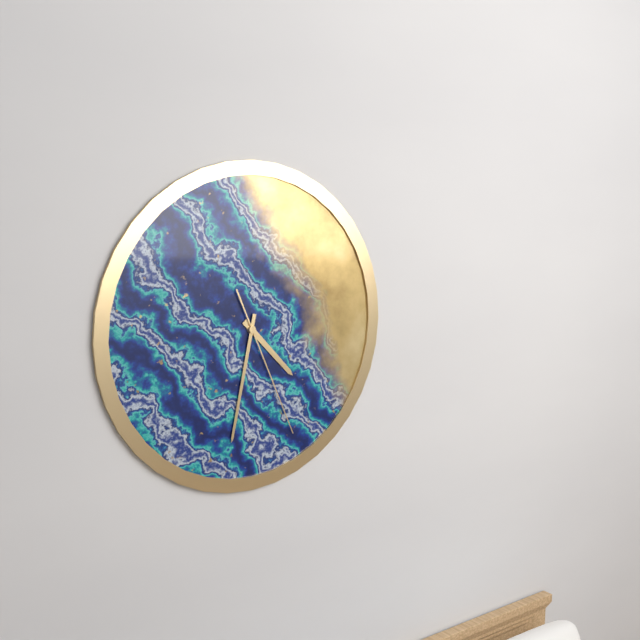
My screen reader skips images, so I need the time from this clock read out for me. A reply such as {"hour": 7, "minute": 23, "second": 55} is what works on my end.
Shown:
{"hour": 4, "minute": 32, "second": 26}
